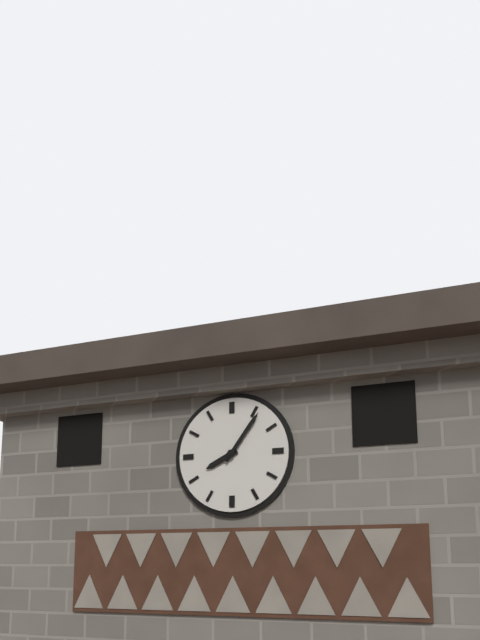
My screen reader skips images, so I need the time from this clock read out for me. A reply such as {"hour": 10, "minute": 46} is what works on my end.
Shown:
{"hour": 8, "minute": 6}
